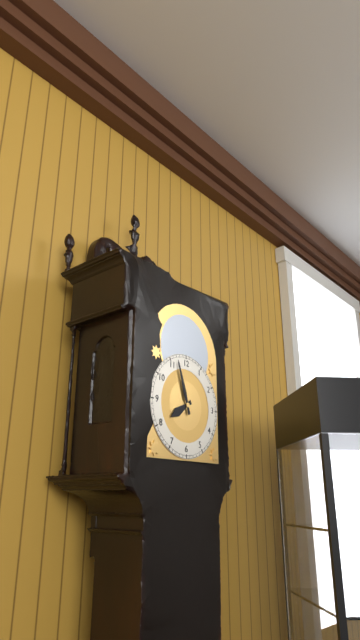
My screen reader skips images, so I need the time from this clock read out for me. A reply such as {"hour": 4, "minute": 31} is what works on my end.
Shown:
{"hour": 7, "minute": 57}
